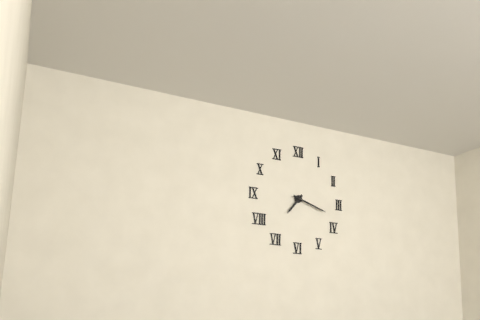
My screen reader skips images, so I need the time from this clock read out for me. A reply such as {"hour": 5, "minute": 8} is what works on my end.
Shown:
{"hour": 7, "minute": 18}
